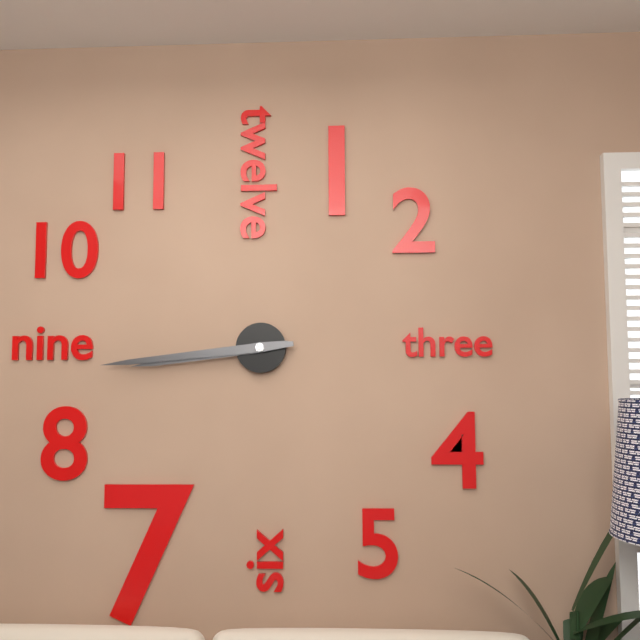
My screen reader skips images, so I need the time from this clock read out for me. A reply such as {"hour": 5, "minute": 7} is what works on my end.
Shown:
{"hour": 8, "minute": 44}
